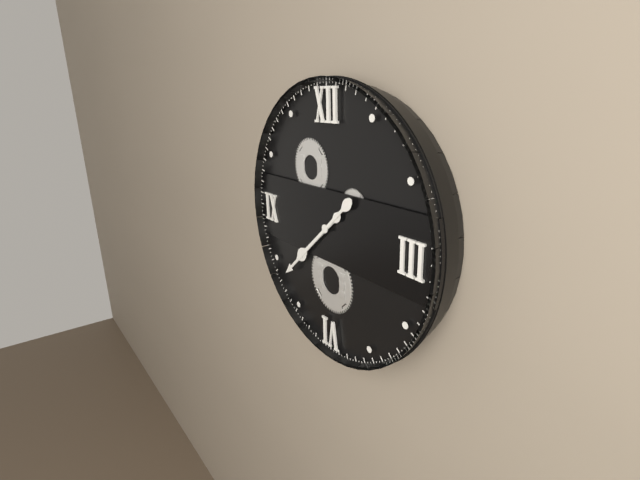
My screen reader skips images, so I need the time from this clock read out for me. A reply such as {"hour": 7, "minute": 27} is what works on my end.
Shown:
{"hour": 7, "minute": 38}
